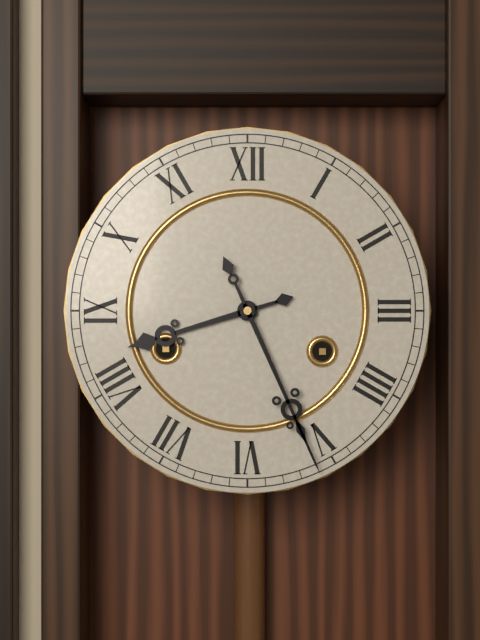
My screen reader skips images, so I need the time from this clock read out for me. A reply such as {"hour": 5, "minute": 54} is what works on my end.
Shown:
{"hour": 8, "minute": 26}
